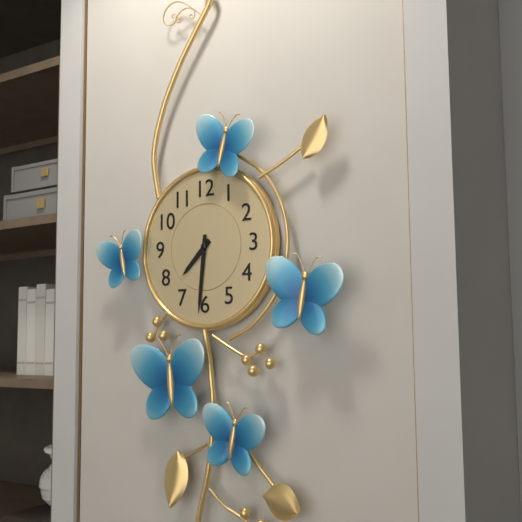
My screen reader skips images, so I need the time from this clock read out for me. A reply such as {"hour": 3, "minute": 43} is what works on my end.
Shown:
{"hour": 7, "minute": 31}
